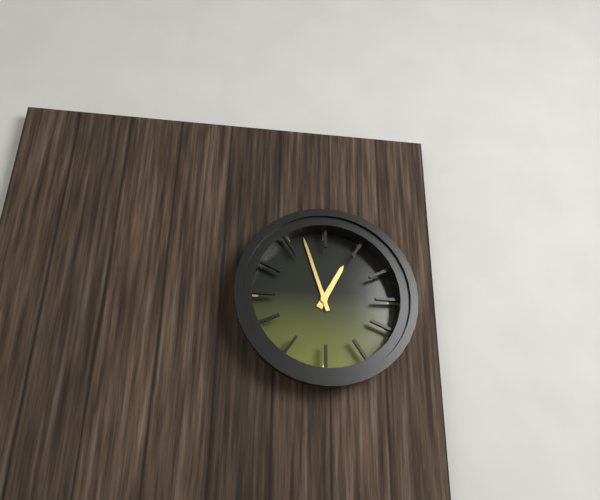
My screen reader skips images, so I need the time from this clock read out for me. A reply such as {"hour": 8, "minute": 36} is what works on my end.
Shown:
{"hour": 12, "minute": 57}
